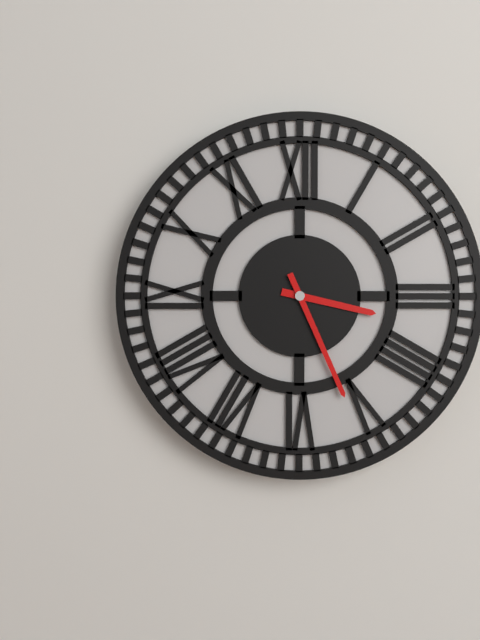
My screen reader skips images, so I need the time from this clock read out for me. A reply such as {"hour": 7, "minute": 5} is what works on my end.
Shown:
{"hour": 3, "minute": 26}
